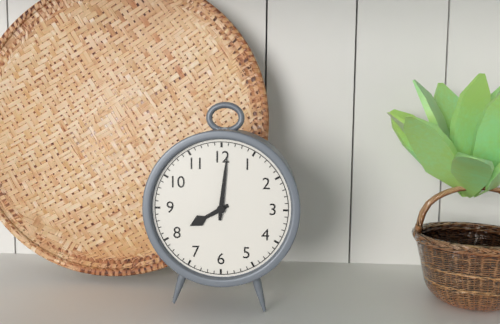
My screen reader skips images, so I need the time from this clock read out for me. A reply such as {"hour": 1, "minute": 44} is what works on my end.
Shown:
{"hour": 8, "minute": 1}
